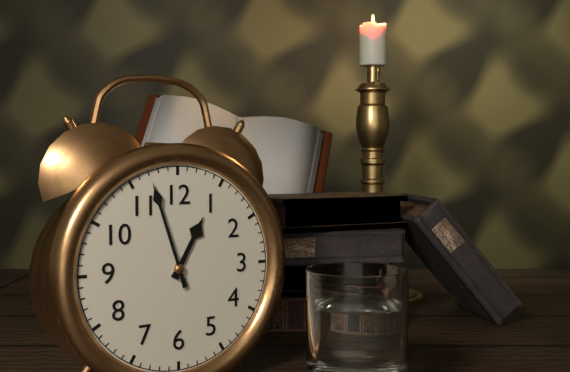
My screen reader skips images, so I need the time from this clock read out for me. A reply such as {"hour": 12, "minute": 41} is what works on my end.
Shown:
{"hour": 12, "minute": 57}
